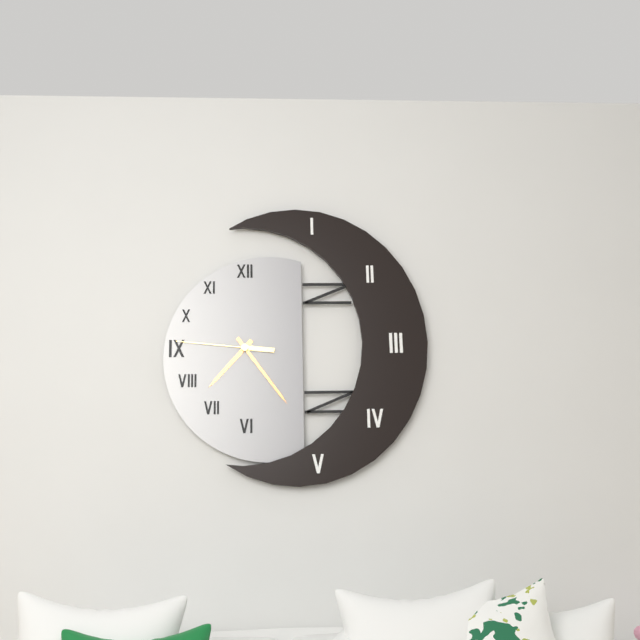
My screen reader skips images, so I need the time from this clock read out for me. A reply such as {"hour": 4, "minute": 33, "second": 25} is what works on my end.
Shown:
{"hour": 7, "minute": 24, "second": 46}
